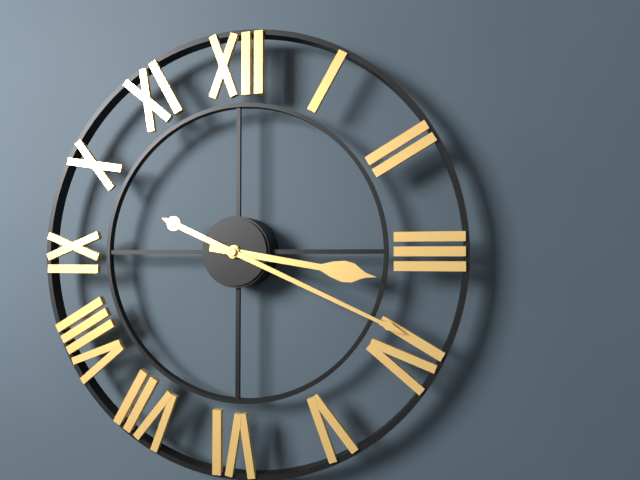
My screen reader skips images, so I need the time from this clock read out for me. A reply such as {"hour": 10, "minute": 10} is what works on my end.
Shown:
{"hour": 3, "minute": 19}
